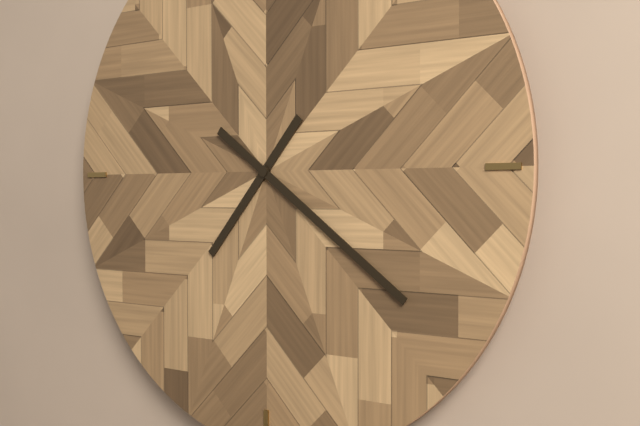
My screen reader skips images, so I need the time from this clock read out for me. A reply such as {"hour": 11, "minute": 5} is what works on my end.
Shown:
{"hour": 7, "minute": 21}
